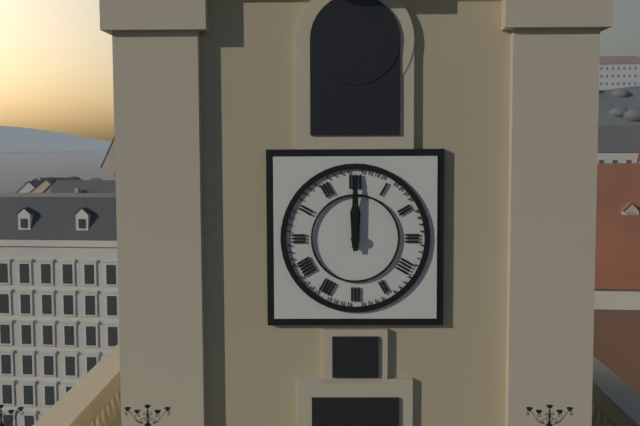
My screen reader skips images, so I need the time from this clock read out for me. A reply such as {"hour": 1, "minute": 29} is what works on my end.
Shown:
{"hour": 12, "minute": 0}
